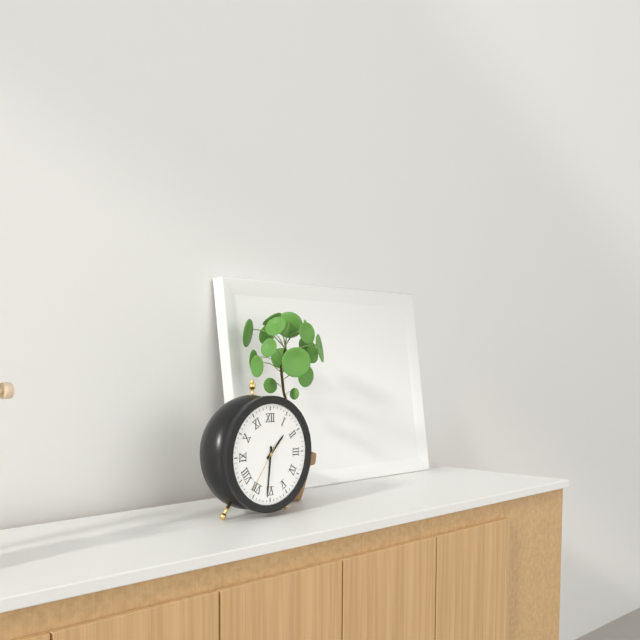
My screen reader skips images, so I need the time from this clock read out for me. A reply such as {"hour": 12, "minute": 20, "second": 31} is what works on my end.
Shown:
{"hour": 1, "minute": 31, "second": 36}
